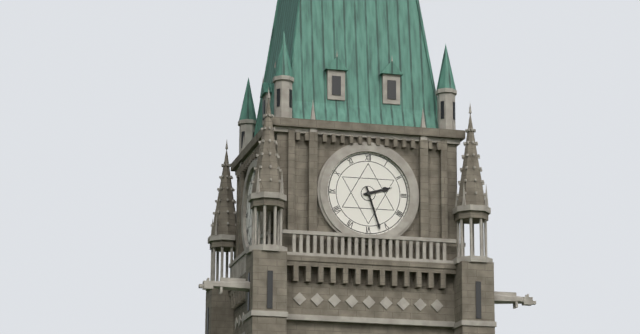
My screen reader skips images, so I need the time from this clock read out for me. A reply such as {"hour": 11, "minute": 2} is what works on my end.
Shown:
{"hour": 2, "minute": 27}
